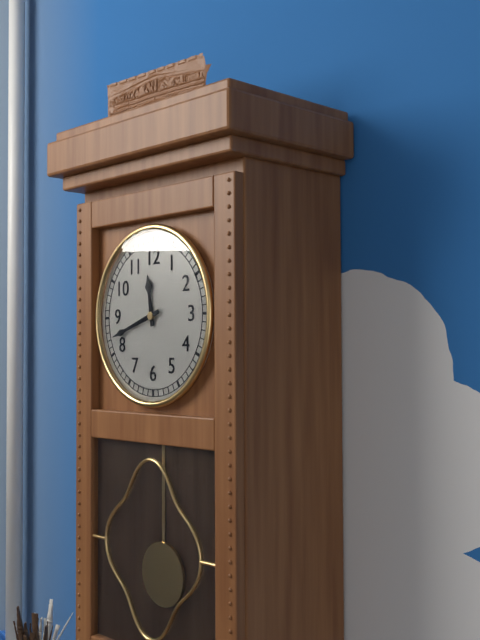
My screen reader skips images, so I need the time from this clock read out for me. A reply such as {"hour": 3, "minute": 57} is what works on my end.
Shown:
{"hour": 11, "minute": 42}
